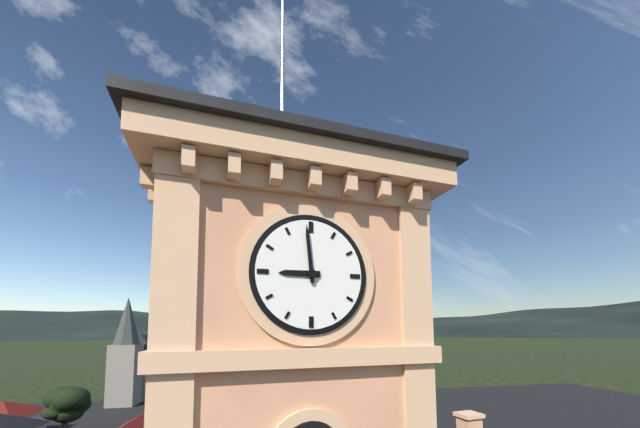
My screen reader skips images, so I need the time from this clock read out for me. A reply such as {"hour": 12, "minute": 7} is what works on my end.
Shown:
{"hour": 8, "minute": 59}
